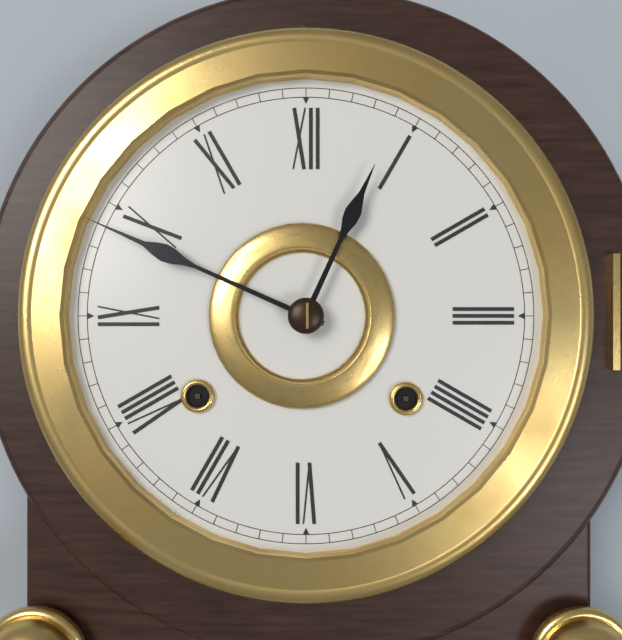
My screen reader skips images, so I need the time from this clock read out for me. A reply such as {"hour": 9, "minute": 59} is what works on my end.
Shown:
{"hour": 12, "minute": 49}
